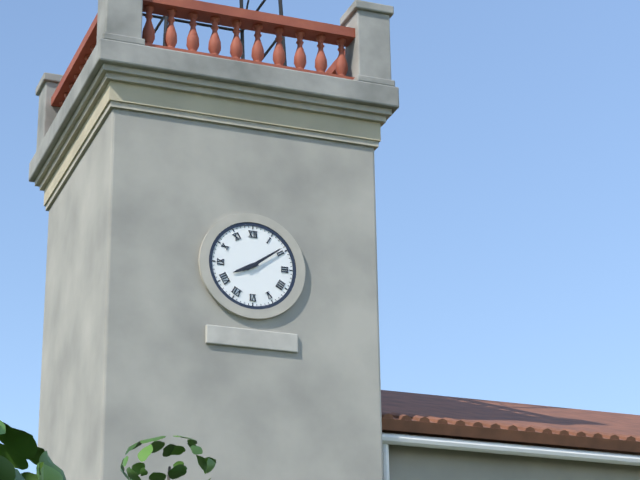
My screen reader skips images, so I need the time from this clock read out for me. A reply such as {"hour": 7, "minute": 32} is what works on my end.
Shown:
{"hour": 8, "minute": 9}
